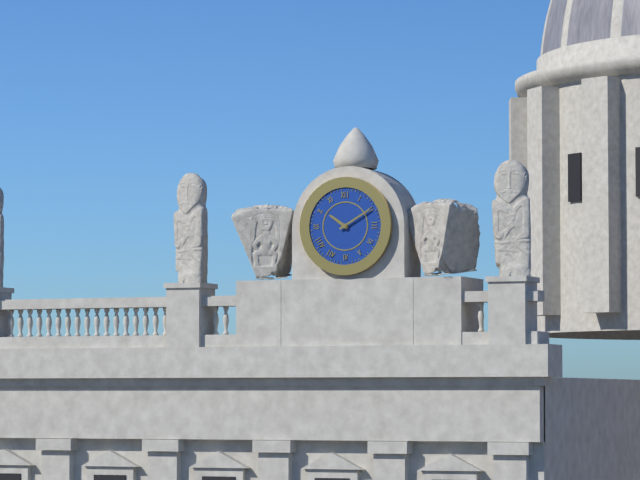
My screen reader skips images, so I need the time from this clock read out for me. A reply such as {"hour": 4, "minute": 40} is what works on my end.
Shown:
{"hour": 10, "minute": 10}
